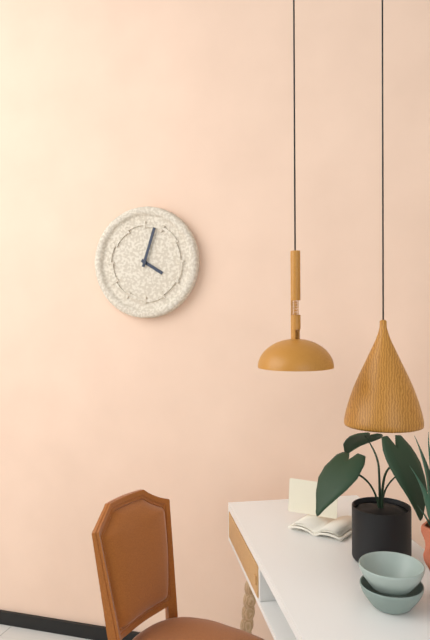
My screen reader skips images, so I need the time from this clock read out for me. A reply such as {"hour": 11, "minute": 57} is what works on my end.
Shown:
{"hour": 4, "minute": 3}
